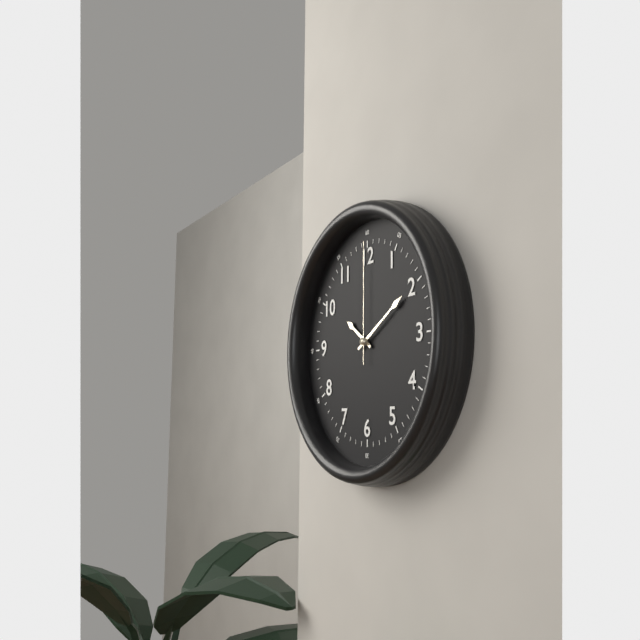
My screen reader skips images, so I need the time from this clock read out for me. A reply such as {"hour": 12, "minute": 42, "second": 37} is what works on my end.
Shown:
{"hour": 10, "minute": 10, "second": 0}
